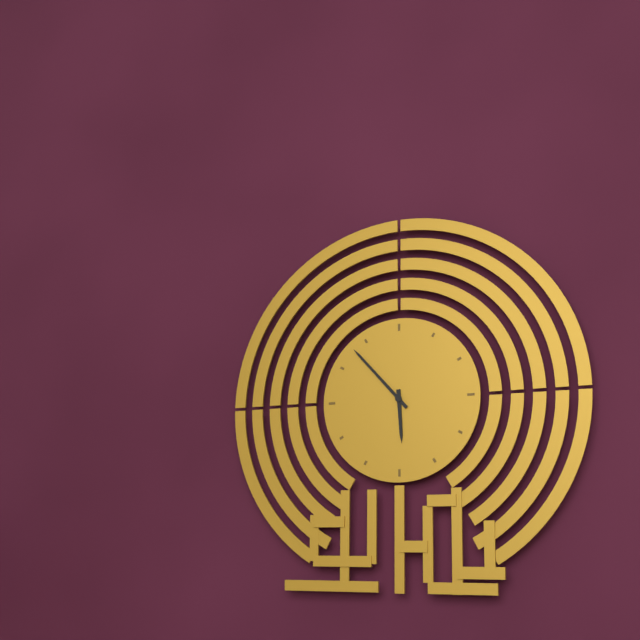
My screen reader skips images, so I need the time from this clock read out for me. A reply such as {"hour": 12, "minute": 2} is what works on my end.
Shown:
{"hour": 5, "minute": 53}
